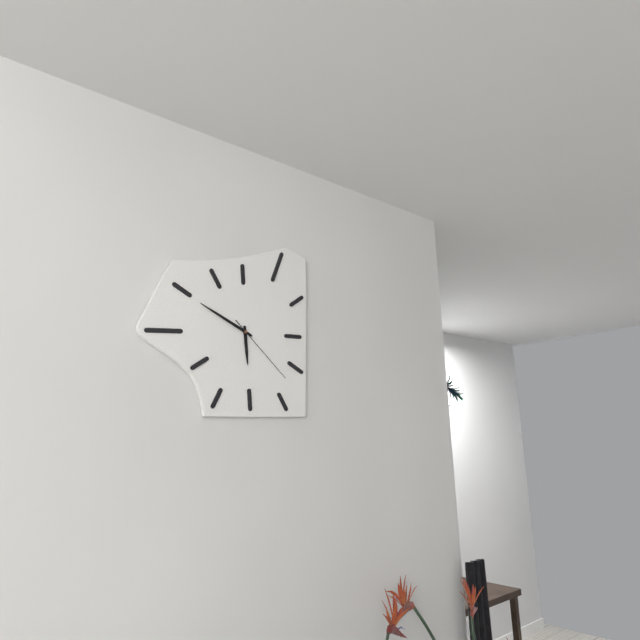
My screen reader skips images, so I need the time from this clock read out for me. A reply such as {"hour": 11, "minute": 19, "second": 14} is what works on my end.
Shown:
{"hour": 5, "minute": 49, "second": 22}
